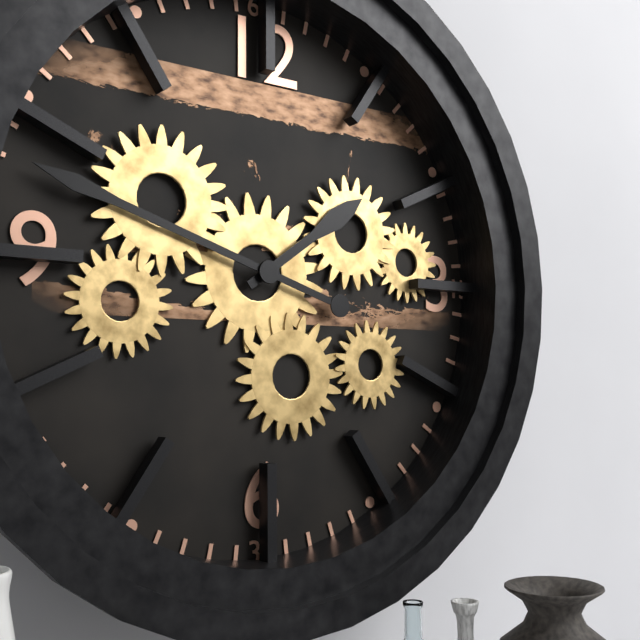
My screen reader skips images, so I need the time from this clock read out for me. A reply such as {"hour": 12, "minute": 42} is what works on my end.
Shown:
{"hour": 1, "minute": 48}
